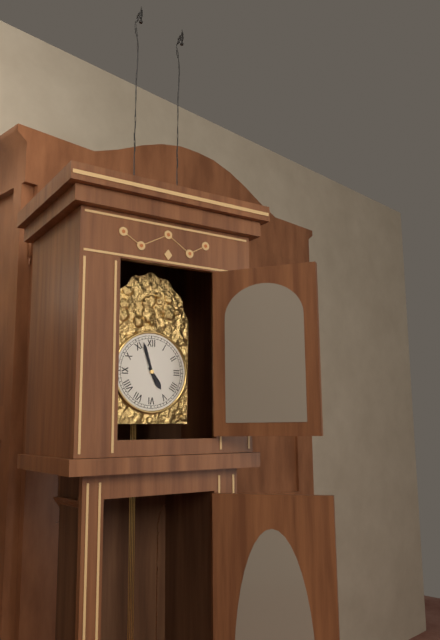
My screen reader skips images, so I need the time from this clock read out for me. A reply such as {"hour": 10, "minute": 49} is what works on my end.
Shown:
{"hour": 4, "minute": 57}
